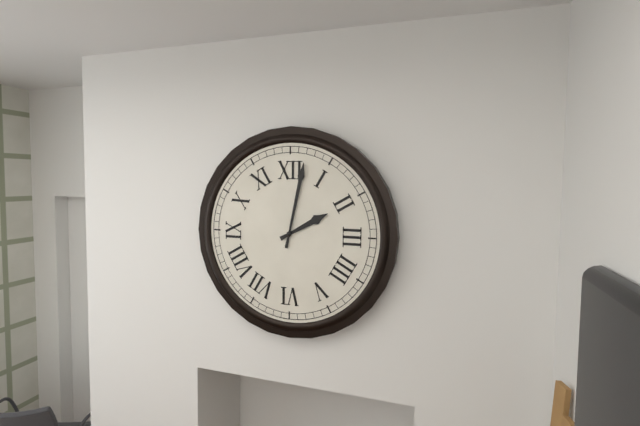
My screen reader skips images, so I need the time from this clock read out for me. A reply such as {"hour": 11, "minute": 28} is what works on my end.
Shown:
{"hour": 2, "minute": 2}
